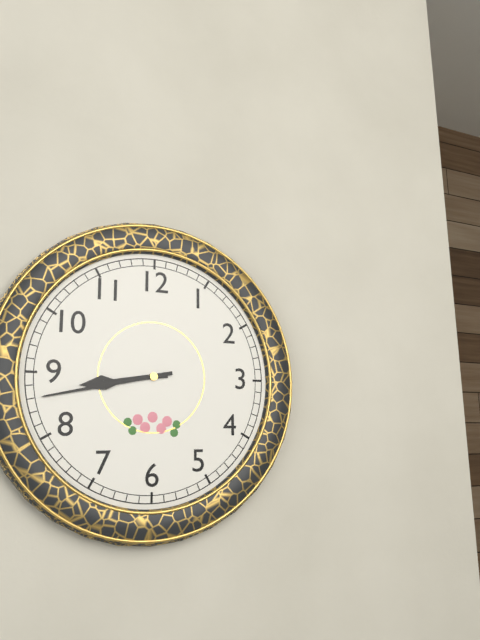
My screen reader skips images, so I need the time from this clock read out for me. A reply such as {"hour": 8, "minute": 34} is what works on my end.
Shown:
{"hour": 8, "minute": 43}
